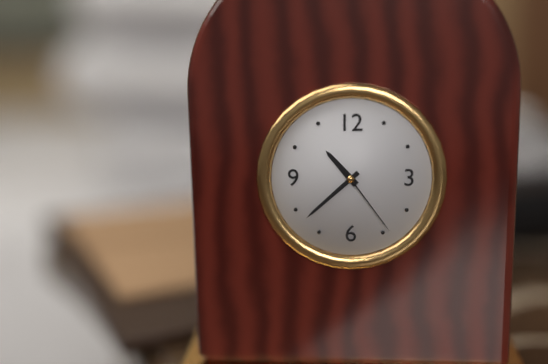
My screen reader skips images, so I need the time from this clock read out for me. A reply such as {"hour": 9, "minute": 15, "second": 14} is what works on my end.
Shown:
{"hour": 10, "minute": 38, "second": 24}
